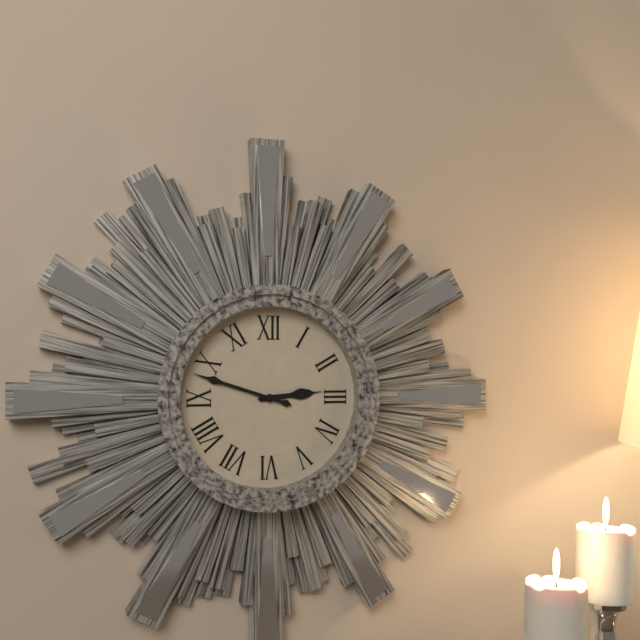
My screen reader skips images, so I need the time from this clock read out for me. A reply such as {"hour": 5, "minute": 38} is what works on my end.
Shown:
{"hour": 2, "minute": 48}
